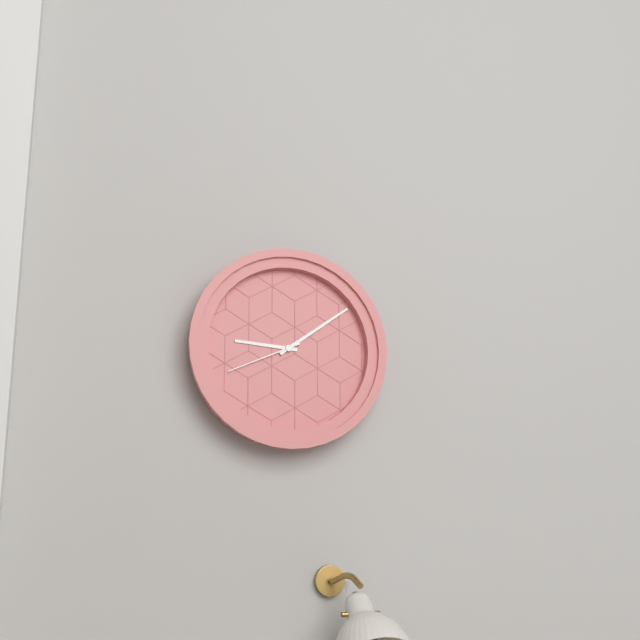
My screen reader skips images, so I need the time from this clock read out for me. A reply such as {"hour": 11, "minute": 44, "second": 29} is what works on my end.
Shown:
{"hour": 9, "minute": 9, "second": 41}
